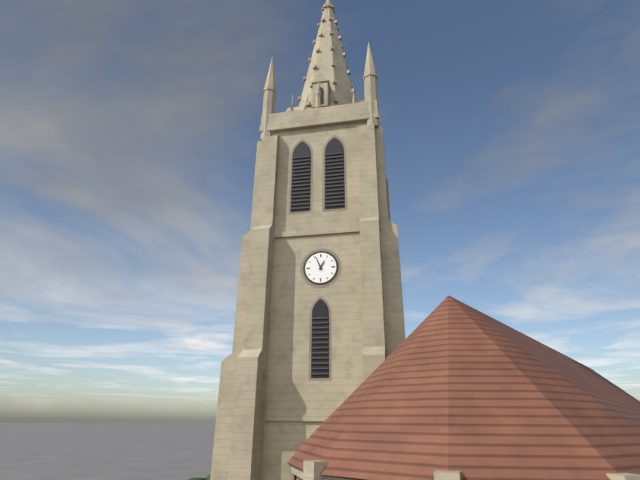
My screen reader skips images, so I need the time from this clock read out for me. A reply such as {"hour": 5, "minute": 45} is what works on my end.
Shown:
{"hour": 12, "minute": 56}
